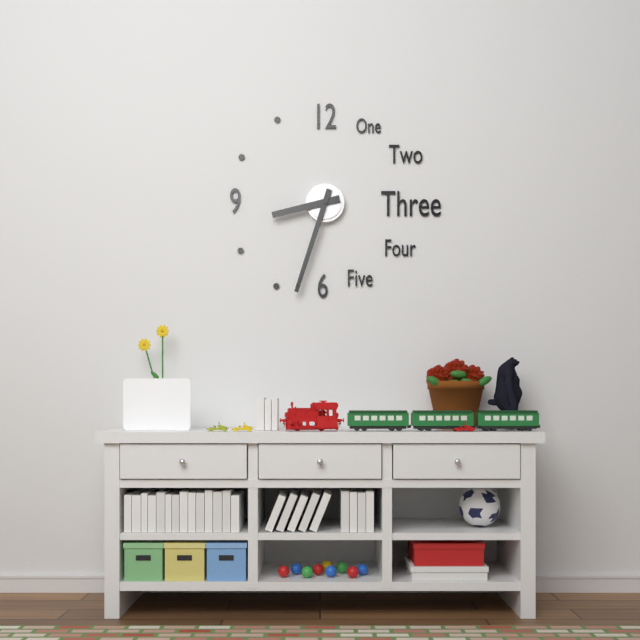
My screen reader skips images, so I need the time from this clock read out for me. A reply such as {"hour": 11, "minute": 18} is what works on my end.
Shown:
{"hour": 8, "minute": 33}
